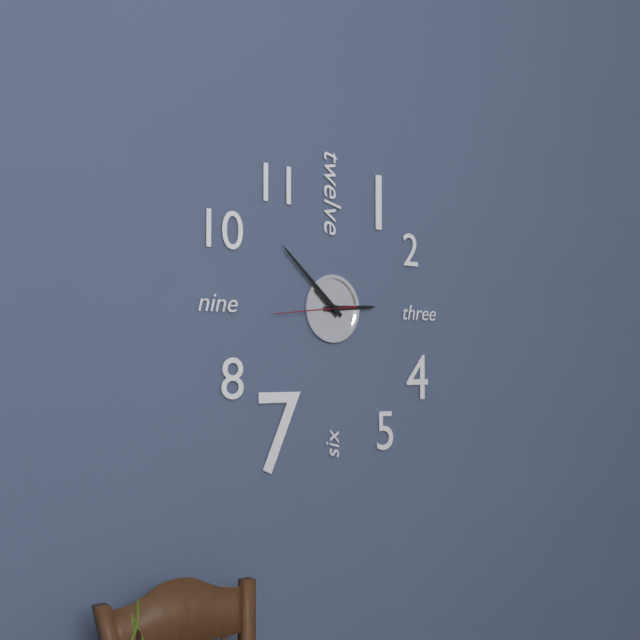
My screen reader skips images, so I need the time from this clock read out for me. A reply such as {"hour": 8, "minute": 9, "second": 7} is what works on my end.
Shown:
{"hour": 2, "minute": 52, "second": 44}
